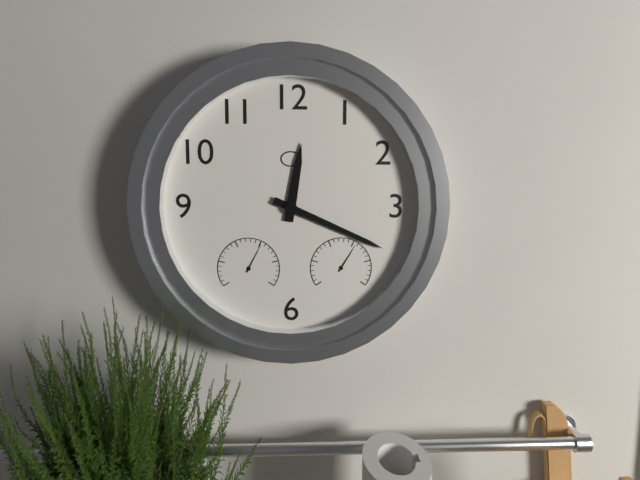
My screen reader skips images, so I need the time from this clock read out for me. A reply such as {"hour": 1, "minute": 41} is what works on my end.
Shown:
{"hour": 12, "minute": 19}
